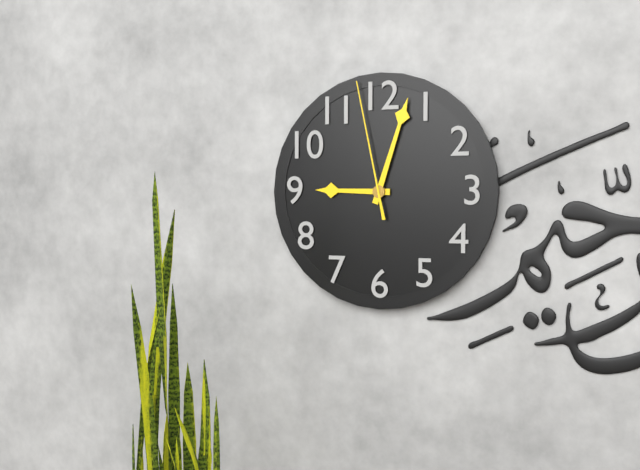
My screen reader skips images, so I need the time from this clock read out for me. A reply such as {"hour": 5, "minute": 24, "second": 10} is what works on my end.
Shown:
{"hour": 9, "minute": 3, "second": 58}
